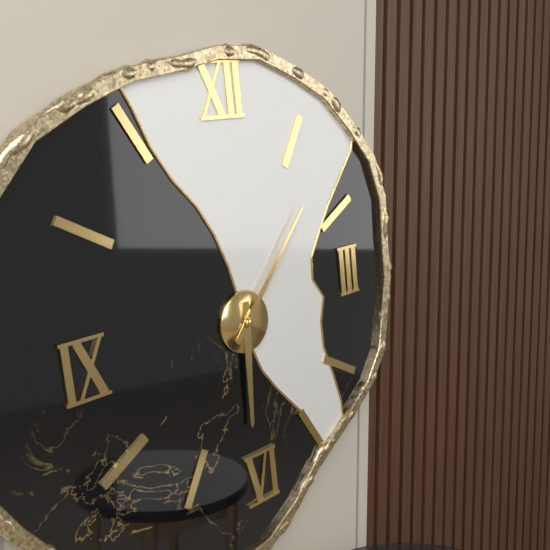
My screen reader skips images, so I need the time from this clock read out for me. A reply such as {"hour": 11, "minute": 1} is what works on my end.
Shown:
{"hour": 6, "minute": 7}
